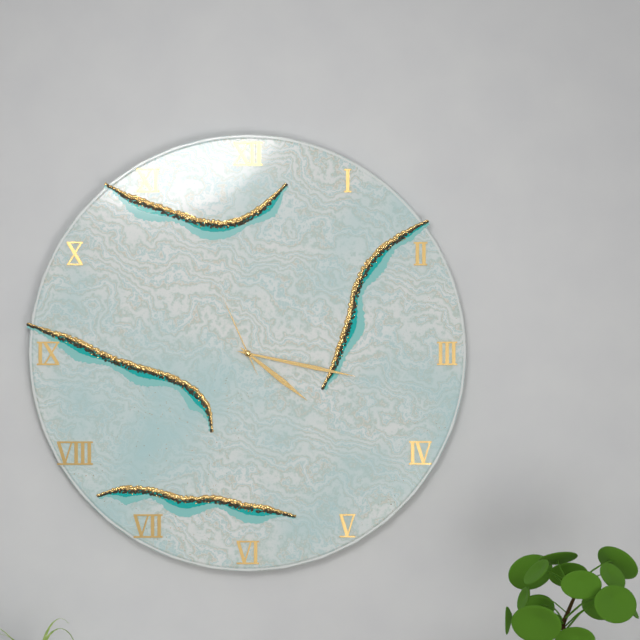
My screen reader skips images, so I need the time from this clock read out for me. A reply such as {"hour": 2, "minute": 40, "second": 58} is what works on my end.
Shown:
{"hour": 4, "minute": 17, "second": 56}
